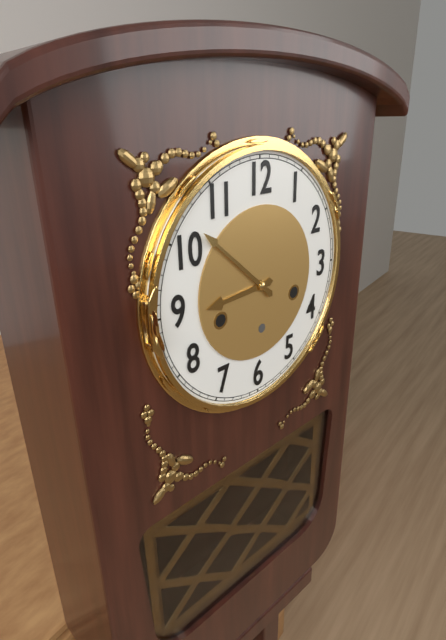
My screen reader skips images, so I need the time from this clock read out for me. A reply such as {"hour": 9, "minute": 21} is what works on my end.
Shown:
{"hour": 8, "minute": 52}
